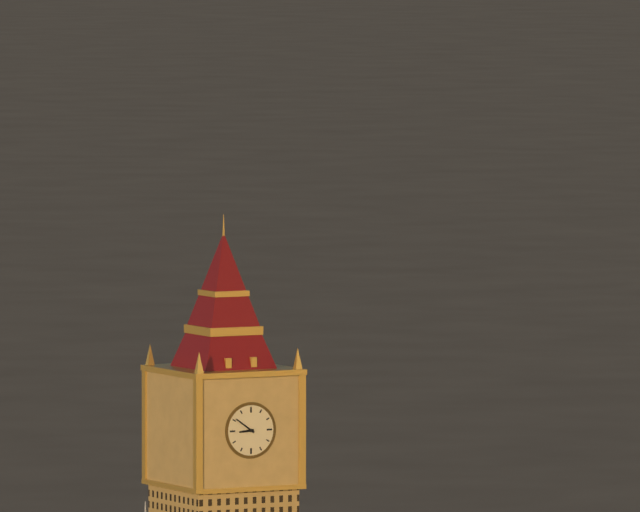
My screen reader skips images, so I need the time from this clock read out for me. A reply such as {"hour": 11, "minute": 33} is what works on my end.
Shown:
{"hour": 8, "minute": 51}
